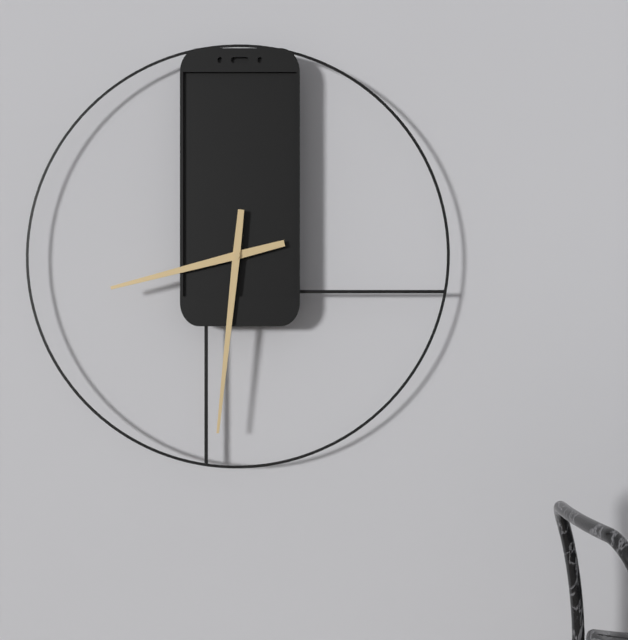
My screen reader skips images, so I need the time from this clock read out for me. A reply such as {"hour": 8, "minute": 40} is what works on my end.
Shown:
{"hour": 8, "minute": 31}
